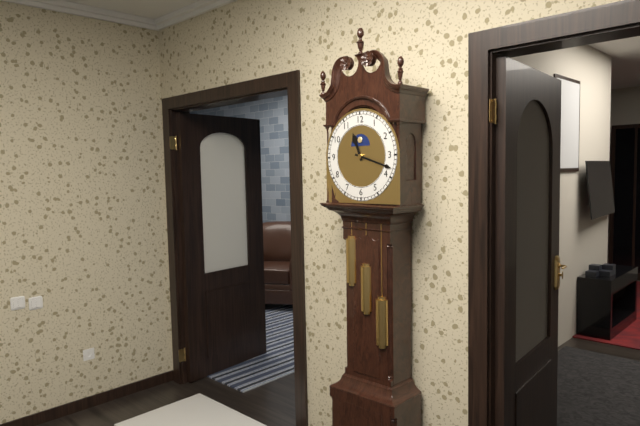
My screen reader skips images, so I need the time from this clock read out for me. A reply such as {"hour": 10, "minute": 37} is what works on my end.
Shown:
{"hour": 11, "minute": 18}
